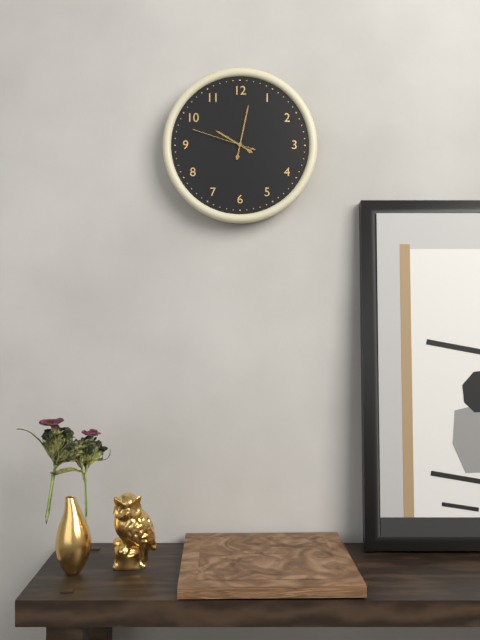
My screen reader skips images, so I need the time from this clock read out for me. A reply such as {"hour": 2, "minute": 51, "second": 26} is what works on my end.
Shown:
{"hour": 10, "minute": 2, "second": 48}
